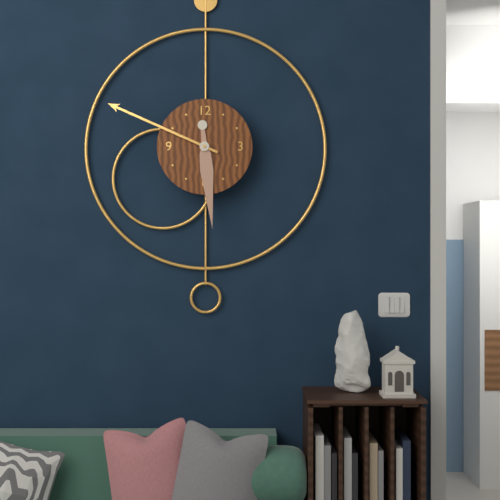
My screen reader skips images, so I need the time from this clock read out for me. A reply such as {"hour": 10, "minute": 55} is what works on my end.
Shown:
{"hour": 5, "minute": 49}
